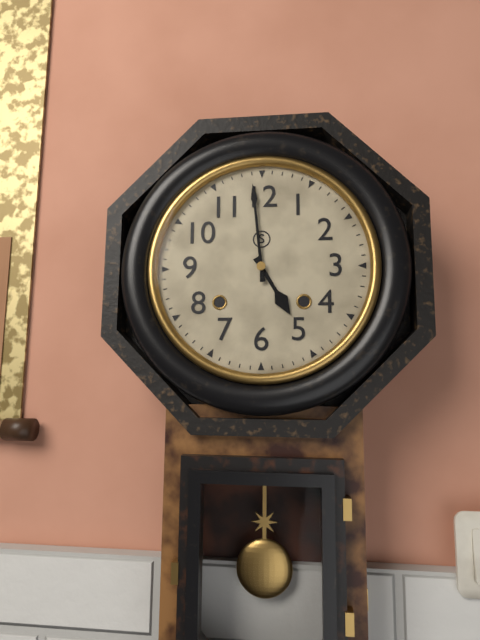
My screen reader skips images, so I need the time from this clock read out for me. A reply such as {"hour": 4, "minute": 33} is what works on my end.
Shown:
{"hour": 4, "minute": 59}
